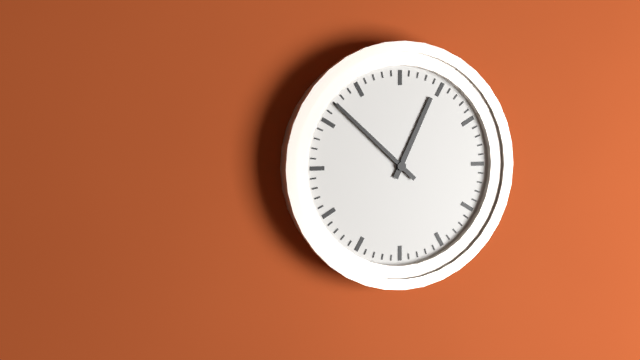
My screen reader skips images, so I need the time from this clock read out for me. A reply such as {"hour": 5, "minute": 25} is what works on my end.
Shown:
{"hour": 12, "minute": 52}
